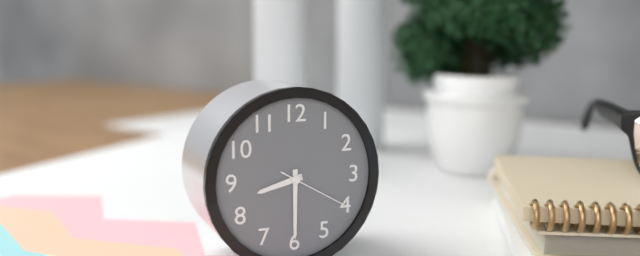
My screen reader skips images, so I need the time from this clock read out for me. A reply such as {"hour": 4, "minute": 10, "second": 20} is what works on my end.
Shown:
{"hour": 8, "minute": 30, "second": 20}
